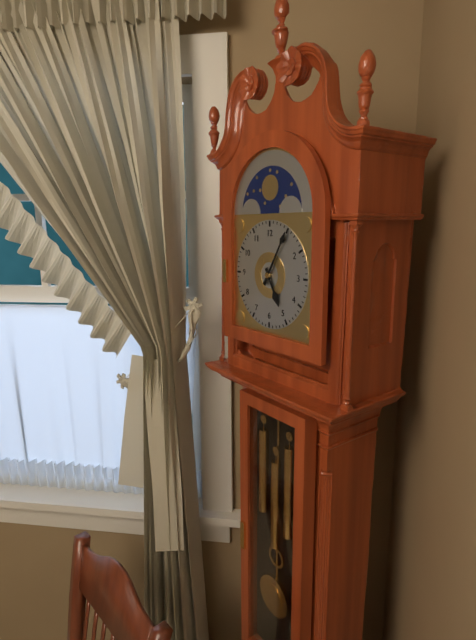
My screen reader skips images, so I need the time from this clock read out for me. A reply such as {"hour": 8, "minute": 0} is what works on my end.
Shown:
{"hour": 5, "minute": 5}
